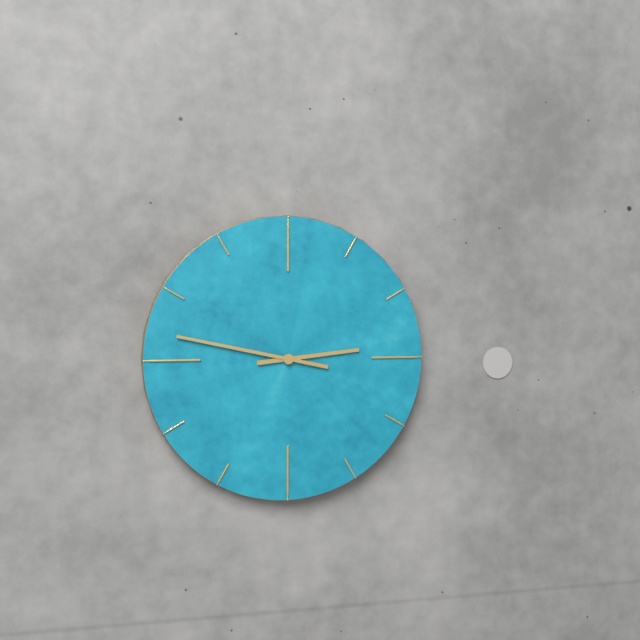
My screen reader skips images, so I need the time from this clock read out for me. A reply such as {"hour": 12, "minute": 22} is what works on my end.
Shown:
{"hour": 2, "minute": 47}
